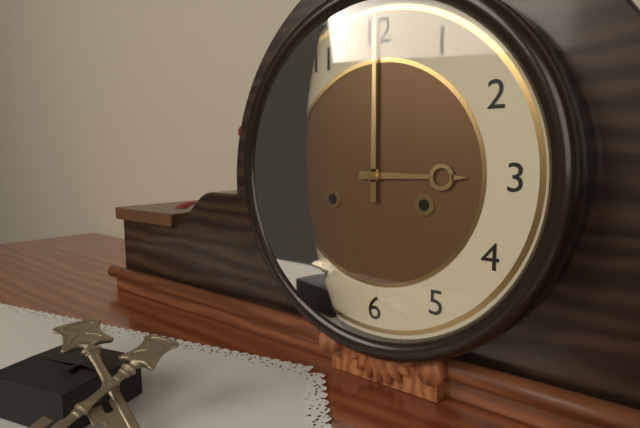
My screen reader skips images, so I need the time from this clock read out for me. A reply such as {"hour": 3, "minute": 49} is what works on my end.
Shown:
{"hour": 3, "minute": 0}
